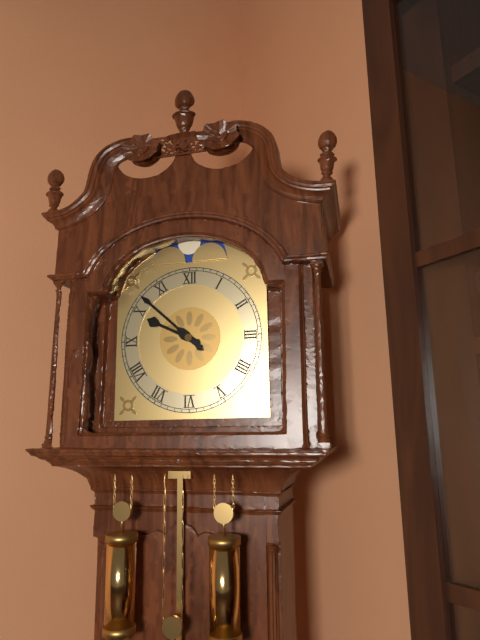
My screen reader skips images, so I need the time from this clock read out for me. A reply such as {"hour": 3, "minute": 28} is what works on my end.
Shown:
{"hour": 9, "minute": 52}
